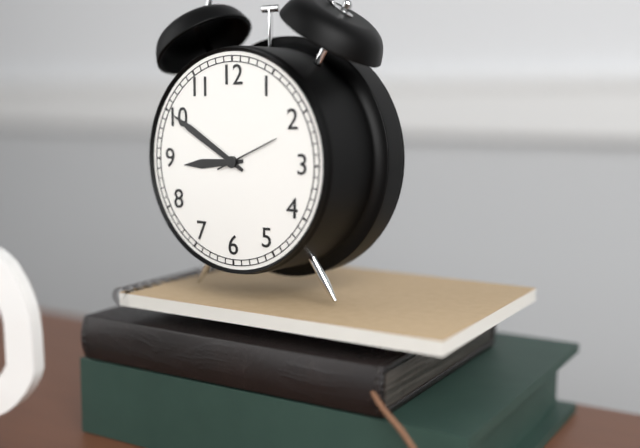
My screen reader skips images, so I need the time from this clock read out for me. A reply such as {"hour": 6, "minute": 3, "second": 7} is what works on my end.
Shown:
{"hour": 8, "minute": 50, "second": 11}
